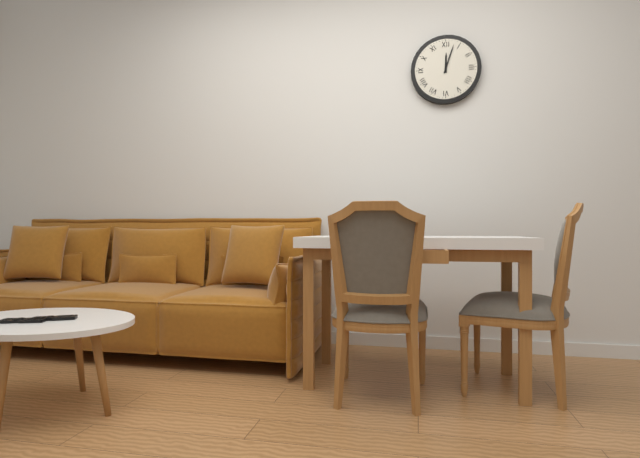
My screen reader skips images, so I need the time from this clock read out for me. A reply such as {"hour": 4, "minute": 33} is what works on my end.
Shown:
{"hour": 12, "minute": 3}
